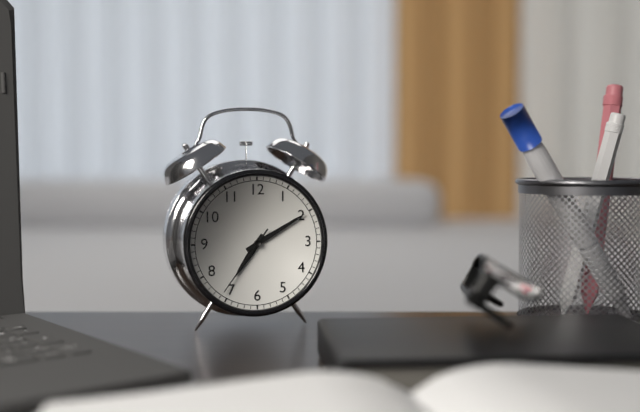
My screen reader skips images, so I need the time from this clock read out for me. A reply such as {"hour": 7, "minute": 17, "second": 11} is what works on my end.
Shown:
{"hour": 7, "minute": 10, "second": 36}
